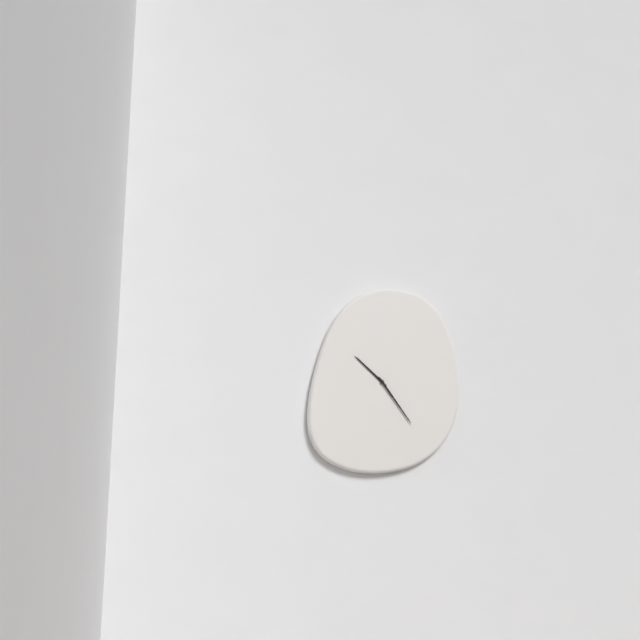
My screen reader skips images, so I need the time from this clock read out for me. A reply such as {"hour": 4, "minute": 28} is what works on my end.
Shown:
{"hour": 10, "minute": 24}
